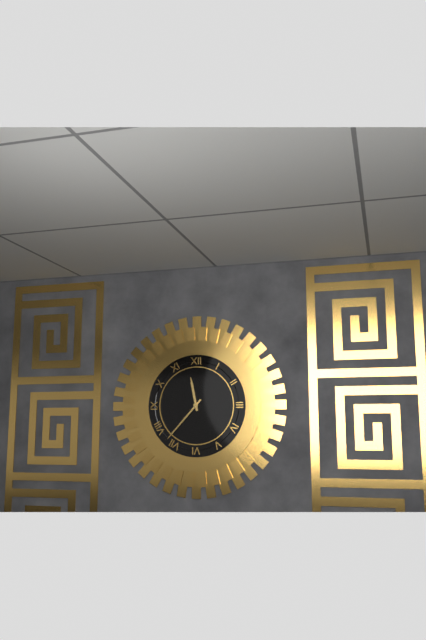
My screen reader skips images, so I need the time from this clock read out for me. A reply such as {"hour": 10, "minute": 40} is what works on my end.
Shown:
{"hour": 11, "minute": 37}
